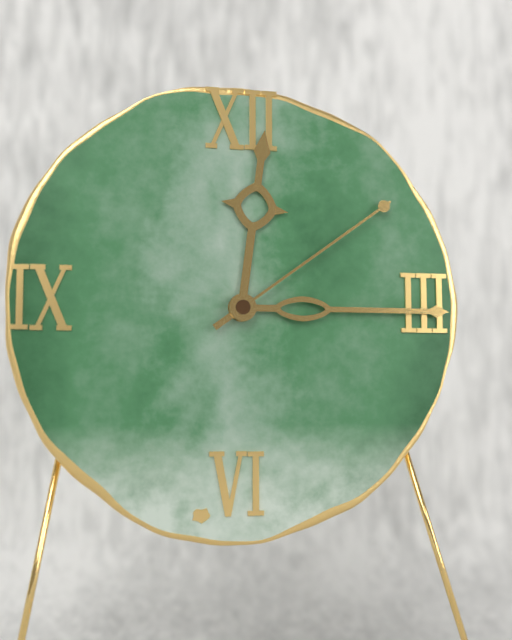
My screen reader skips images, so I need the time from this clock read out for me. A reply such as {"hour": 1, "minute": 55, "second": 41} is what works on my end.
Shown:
{"hour": 12, "minute": 15, "second": 9}
